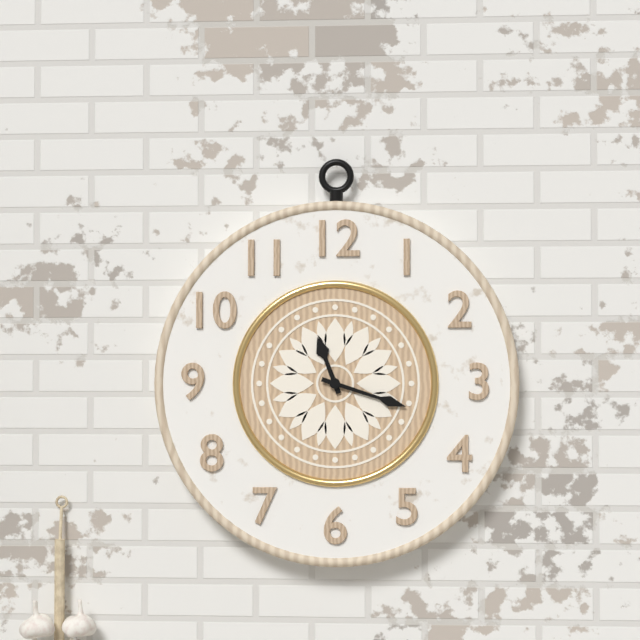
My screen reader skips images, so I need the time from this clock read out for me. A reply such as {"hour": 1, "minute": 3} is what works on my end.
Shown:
{"hour": 11, "minute": 18}
